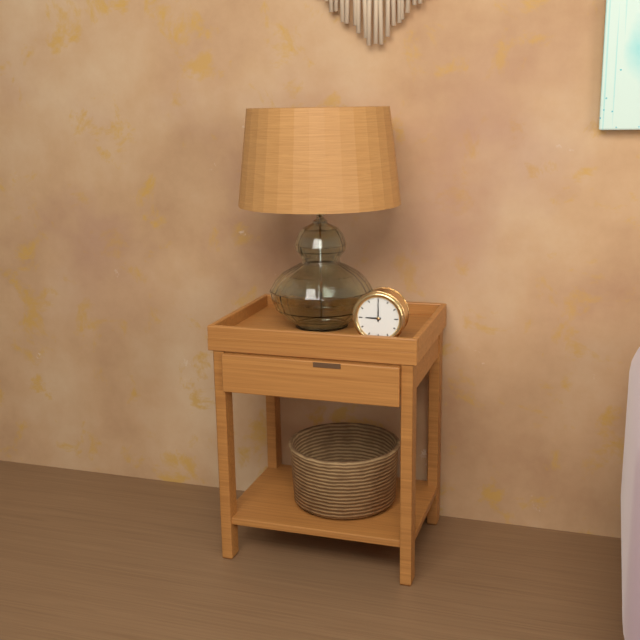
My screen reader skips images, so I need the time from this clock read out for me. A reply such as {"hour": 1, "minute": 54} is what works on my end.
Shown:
{"hour": 9, "minute": 0}
